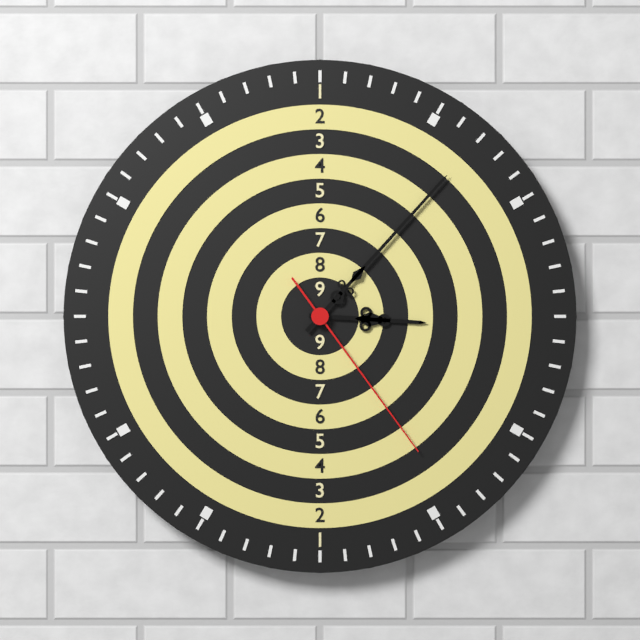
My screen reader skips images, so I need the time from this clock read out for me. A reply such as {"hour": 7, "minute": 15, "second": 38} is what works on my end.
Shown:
{"hour": 3, "minute": 7, "second": 24}
